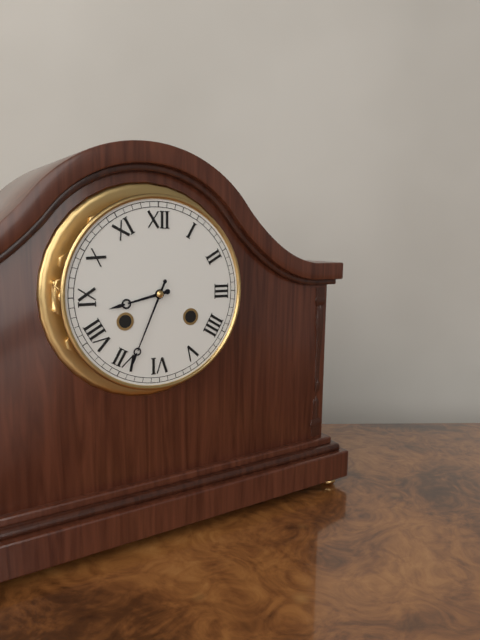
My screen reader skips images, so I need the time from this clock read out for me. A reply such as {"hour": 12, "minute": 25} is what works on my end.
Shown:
{"hour": 8, "minute": 34}
